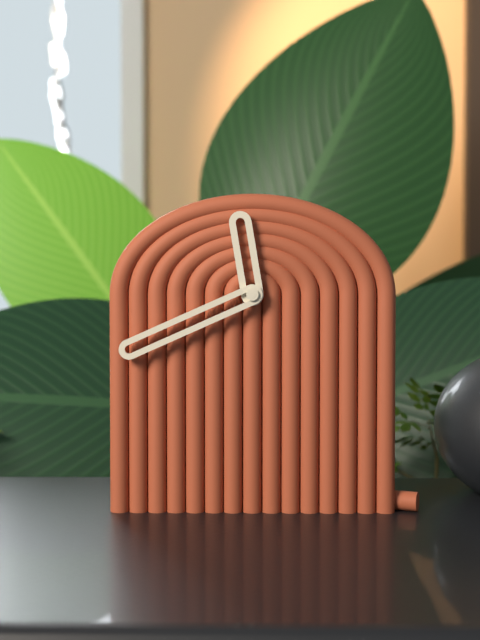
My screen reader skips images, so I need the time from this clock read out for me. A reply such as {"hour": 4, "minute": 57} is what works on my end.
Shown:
{"hour": 11, "minute": 41}
